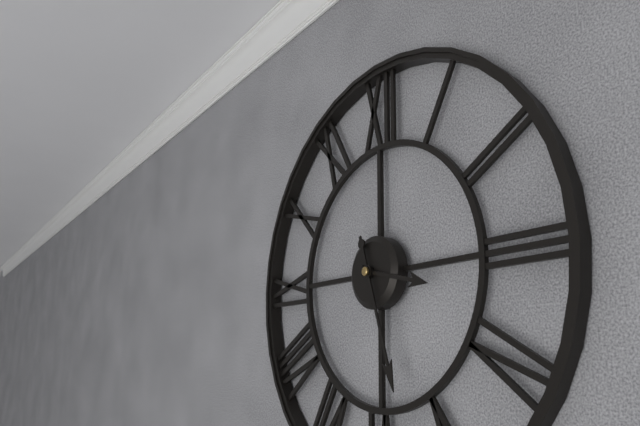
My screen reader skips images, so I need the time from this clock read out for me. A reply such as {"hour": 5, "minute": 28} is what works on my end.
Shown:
{"hour": 3, "minute": 27}
